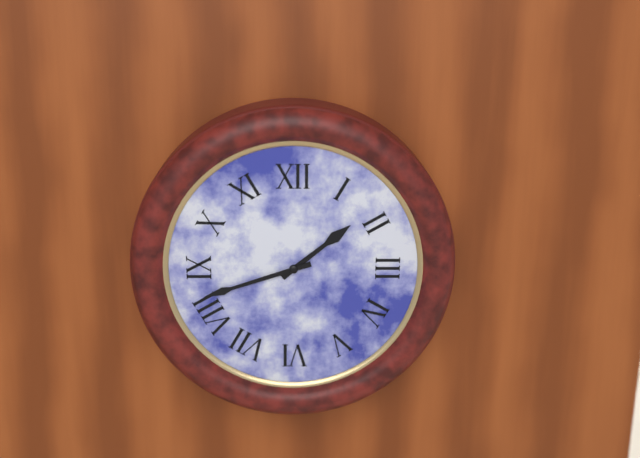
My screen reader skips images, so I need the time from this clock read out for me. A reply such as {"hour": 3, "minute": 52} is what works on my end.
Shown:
{"hour": 1, "minute": 42}
